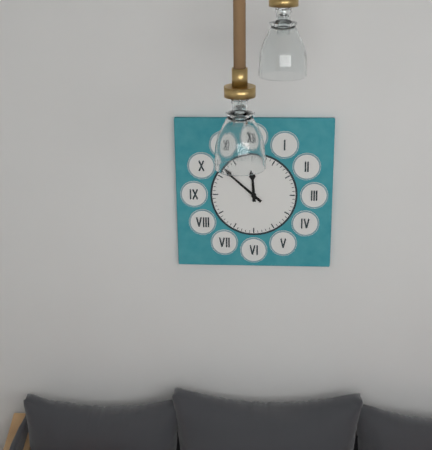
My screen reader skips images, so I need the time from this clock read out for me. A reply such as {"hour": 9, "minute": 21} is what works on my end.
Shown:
{"hour": 11, "minute": 52}
